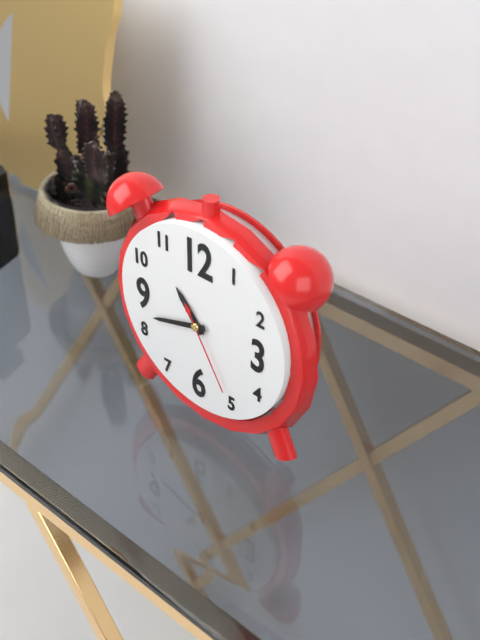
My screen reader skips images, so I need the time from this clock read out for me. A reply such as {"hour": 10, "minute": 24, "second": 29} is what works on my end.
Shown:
{"hour": 10, "minute": 42, "second": 25}
